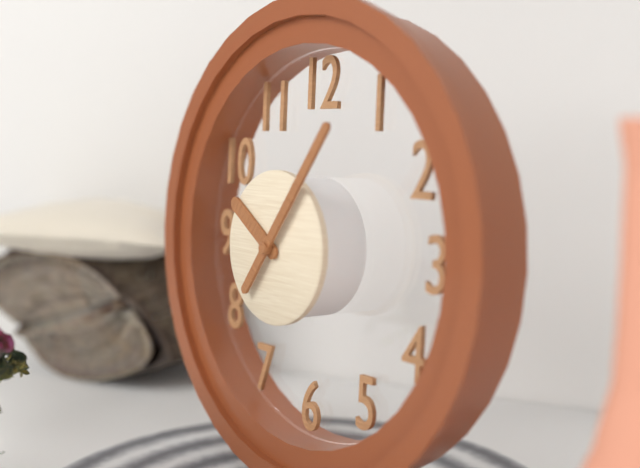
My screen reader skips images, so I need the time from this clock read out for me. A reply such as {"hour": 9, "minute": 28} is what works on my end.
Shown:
{"hour": 10, "minute": 6}
